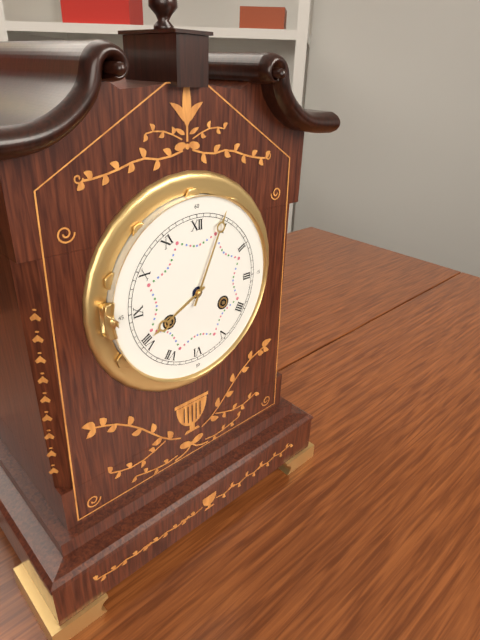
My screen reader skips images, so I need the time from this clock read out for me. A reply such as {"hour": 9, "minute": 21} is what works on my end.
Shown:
{"hour": 8, "minute": 4}
